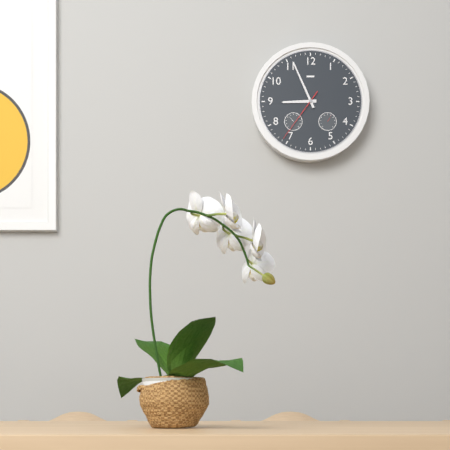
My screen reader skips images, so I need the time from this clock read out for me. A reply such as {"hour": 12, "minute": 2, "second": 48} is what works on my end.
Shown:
{"hour": 8, "minute": 56, "second": 36}
